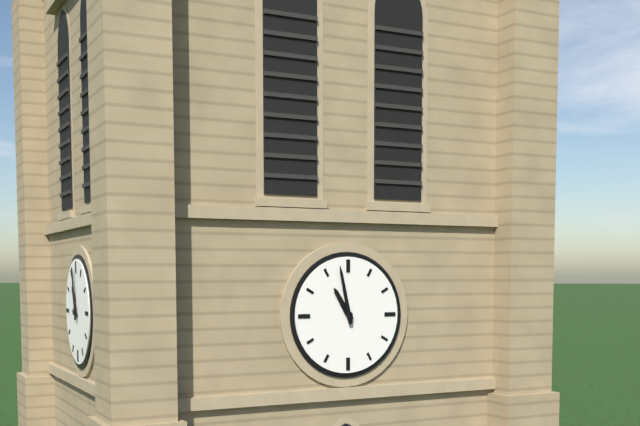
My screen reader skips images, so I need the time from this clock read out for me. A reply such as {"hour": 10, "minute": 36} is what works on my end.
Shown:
{"hour": 10, "minute": 58}
